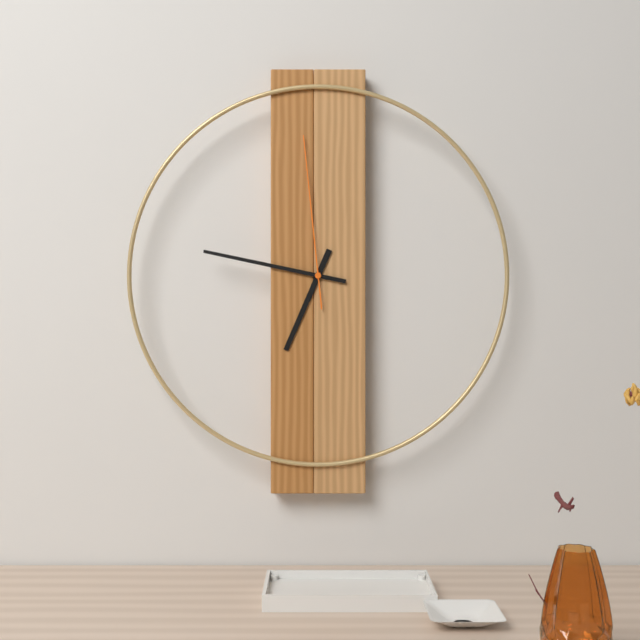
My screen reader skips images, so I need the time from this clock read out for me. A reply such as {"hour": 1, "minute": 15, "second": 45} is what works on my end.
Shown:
{"hour": 6, "minute": 47, "second": 59}
